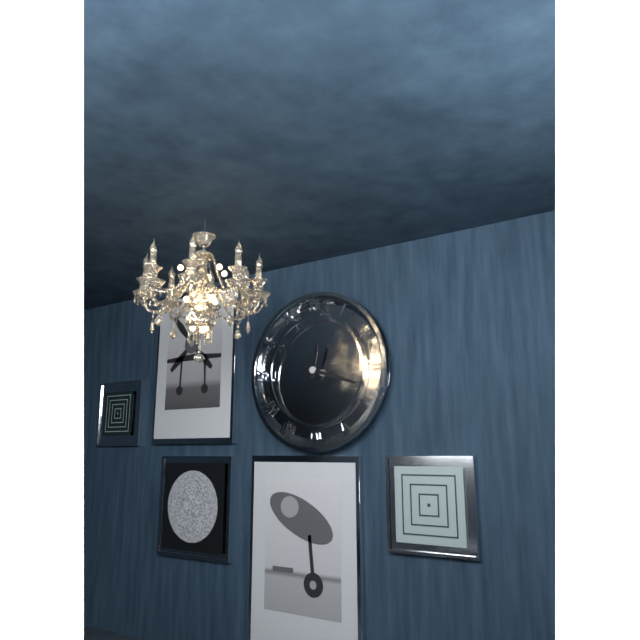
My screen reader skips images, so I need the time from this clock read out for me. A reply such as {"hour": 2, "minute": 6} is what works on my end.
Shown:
{"hour": 12, "minute": 18}
